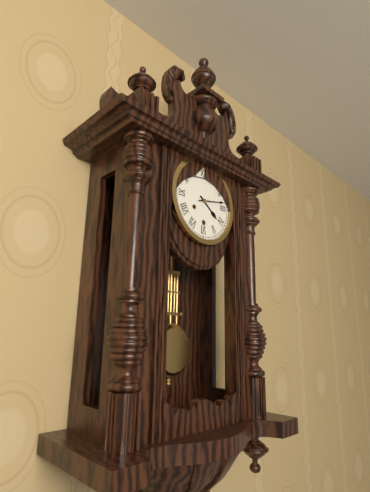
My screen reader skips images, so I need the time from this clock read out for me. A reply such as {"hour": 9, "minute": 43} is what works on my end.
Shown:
{"hour": 4, "minute": 13}
